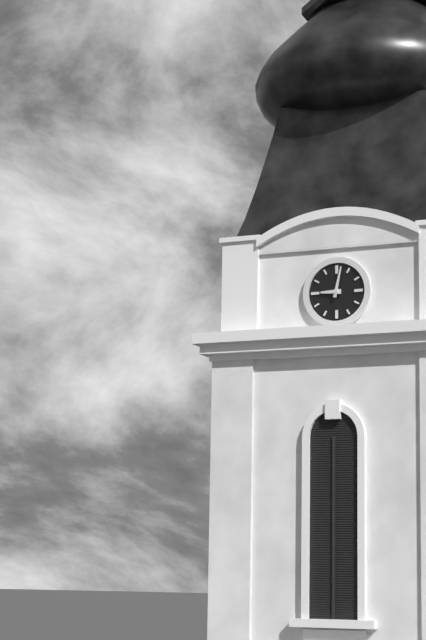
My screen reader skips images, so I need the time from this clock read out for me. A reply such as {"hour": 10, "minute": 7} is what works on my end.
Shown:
{"hour": 9, "minute": 2}
